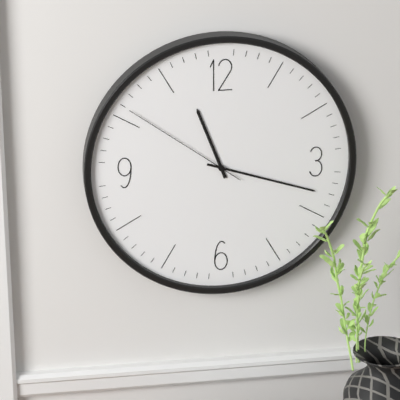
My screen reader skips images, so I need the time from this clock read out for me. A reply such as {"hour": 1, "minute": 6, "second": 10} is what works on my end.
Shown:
{"hour": 11, "minute": 18, "second": 51}
